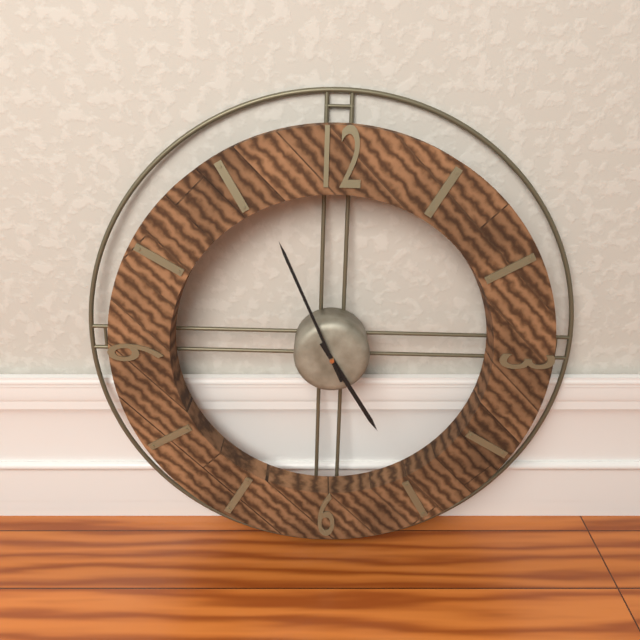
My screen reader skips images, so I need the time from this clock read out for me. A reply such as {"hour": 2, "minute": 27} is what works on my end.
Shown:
{"hour": 4, "minute": 56}
